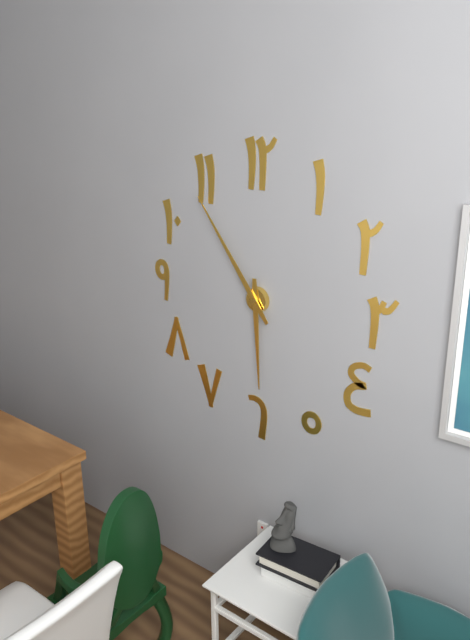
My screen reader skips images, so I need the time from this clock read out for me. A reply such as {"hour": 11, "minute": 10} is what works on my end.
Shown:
{"hour": 5, "minute": 54}
